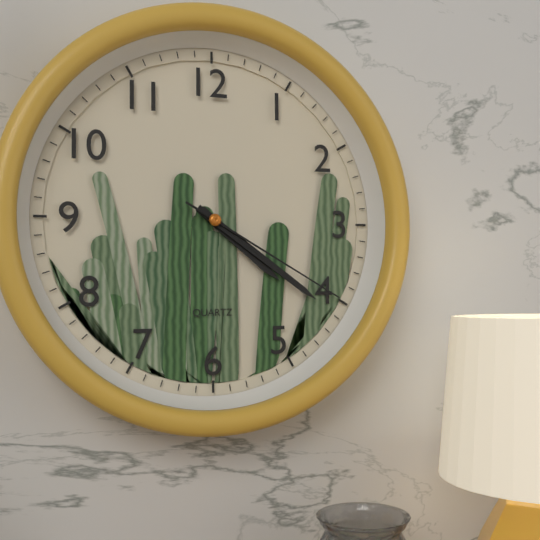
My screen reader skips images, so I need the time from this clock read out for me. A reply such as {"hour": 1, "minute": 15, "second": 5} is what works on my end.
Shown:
{"hour": 4, "minute": 21, "second": 20}
